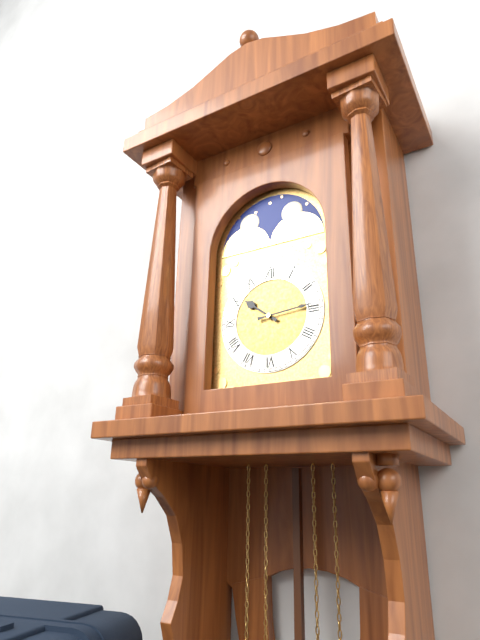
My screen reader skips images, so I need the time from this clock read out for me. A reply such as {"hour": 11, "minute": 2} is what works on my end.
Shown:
{"hour": 10, "minute": 14}
